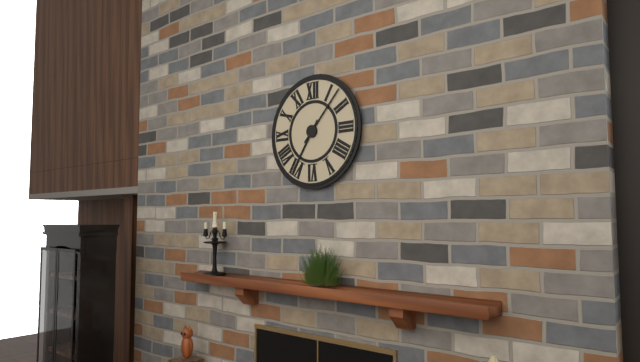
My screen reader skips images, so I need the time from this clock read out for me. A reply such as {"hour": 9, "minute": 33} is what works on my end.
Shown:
{"hour": 7, "minute": 7}
